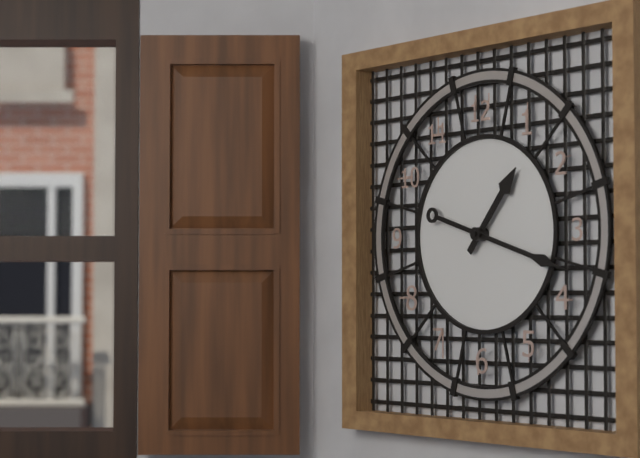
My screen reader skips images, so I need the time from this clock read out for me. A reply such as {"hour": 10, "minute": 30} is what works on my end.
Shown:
{"hour": 1, "minute": 18}
